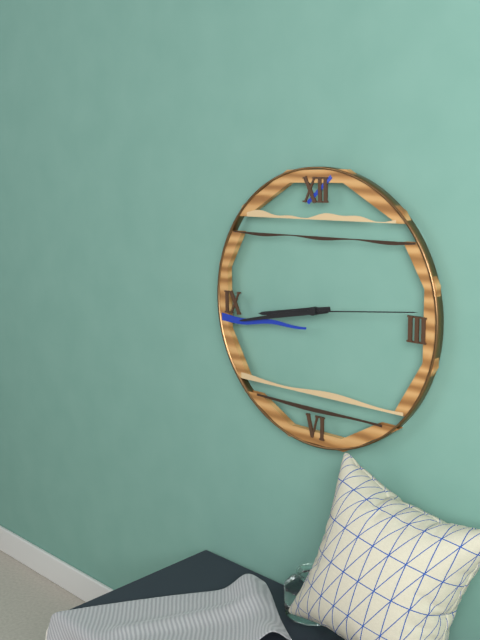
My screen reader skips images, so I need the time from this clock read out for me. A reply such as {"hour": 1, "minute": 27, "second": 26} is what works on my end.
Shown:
{"hour": 8, "minute": 43, "second": 14}
